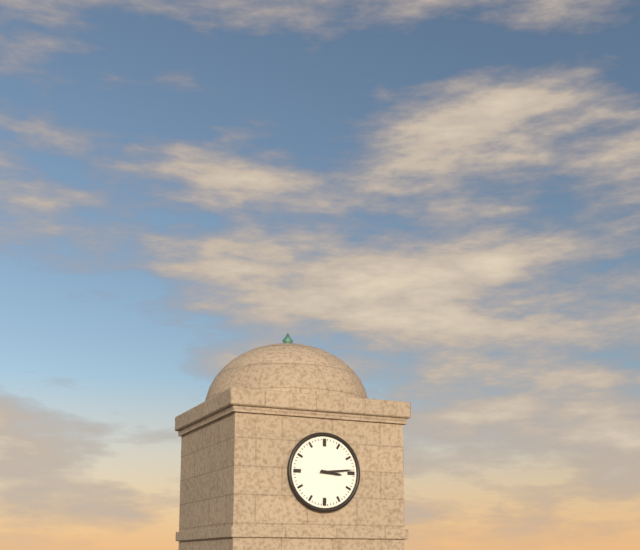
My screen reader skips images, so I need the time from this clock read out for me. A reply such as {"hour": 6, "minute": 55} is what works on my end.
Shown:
{"hour": 3, "minute": 14}
